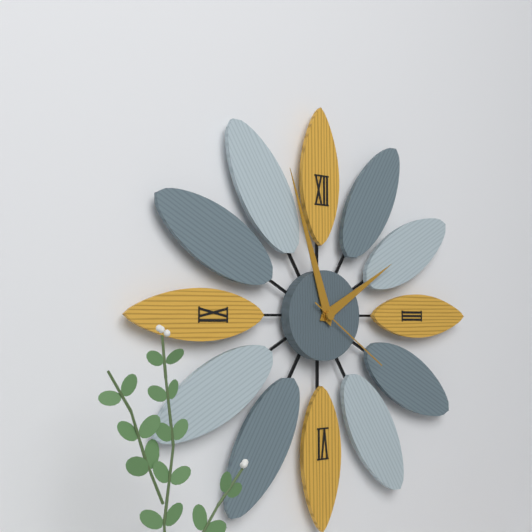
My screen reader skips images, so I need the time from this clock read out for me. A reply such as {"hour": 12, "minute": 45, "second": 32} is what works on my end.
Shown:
{"hour": 1, "minute": 57, "second": 21}
